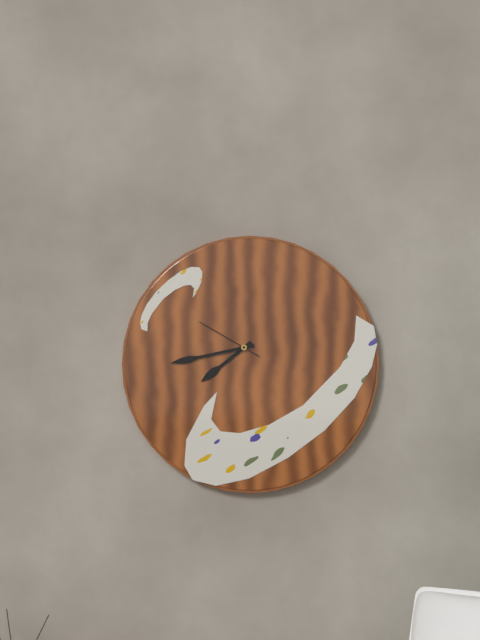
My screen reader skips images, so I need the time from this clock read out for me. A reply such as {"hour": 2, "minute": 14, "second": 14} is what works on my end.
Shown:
{"hour": 7, "minute": 43, "second": 50}
